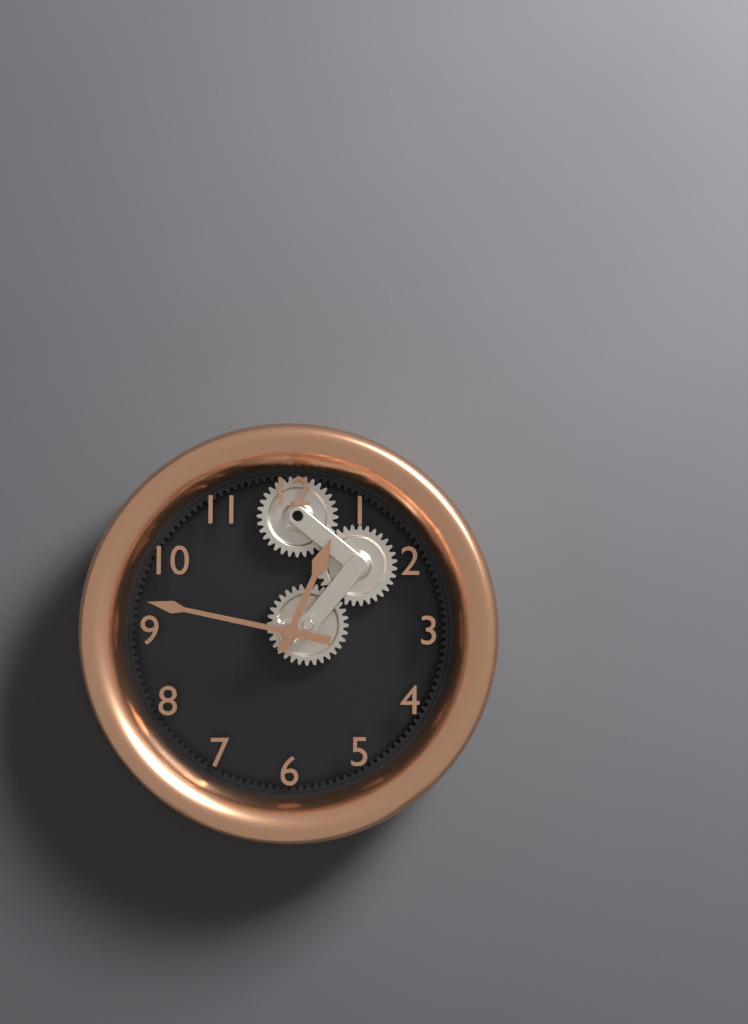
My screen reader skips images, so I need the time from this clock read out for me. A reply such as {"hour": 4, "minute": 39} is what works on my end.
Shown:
{"hour": 12, "minute": 47}
